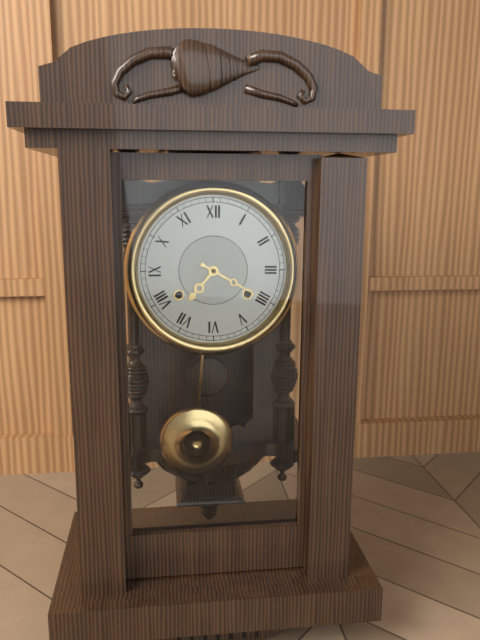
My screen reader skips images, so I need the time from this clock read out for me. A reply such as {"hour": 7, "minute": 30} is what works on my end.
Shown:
{"hour": 7, "minute": 20}
